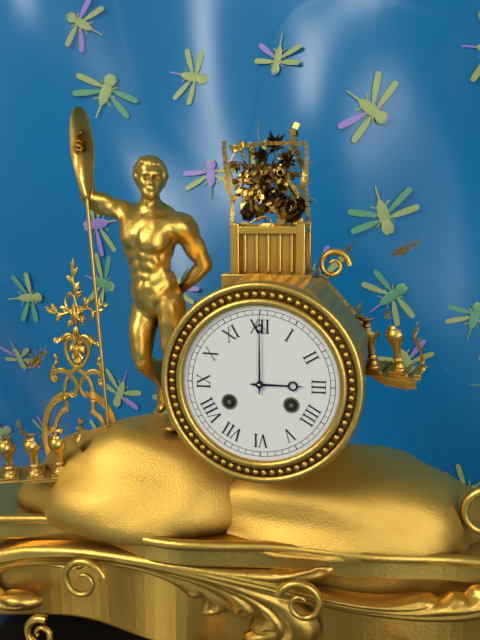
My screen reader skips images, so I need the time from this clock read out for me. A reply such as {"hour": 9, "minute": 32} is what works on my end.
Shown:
{"hour": 3, "minute": 0}
